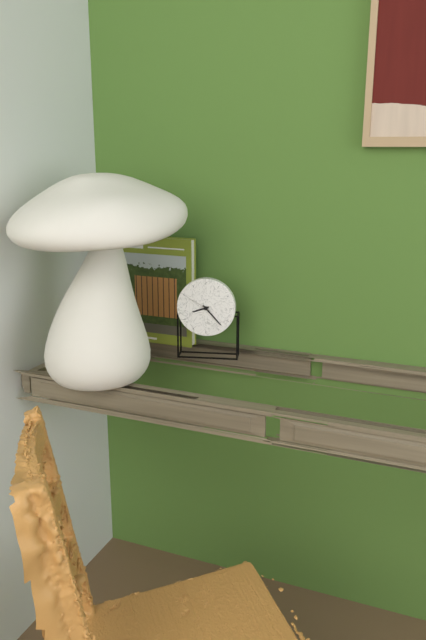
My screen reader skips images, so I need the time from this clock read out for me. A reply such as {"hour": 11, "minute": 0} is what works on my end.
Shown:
{"hour": 8, "minute": 23}
